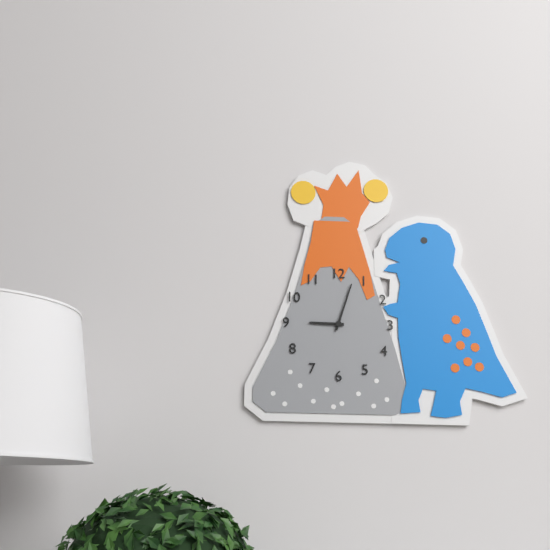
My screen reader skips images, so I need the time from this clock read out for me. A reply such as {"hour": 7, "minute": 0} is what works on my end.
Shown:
{"hour": 9, "minute": 3}
